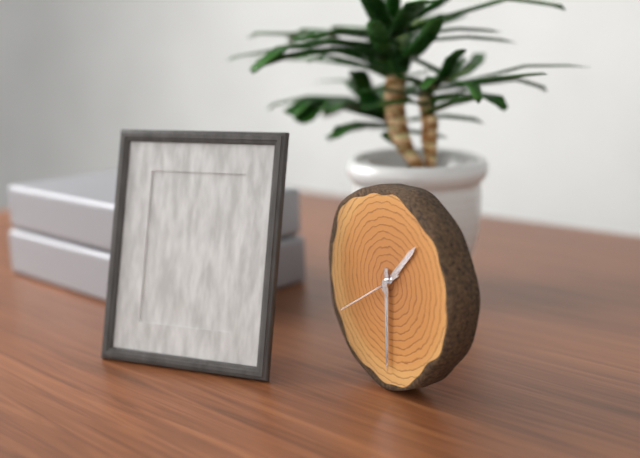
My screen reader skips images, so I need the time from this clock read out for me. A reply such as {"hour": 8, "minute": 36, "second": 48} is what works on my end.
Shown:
{"hour": 1, "minute": 30, "second": 40}
